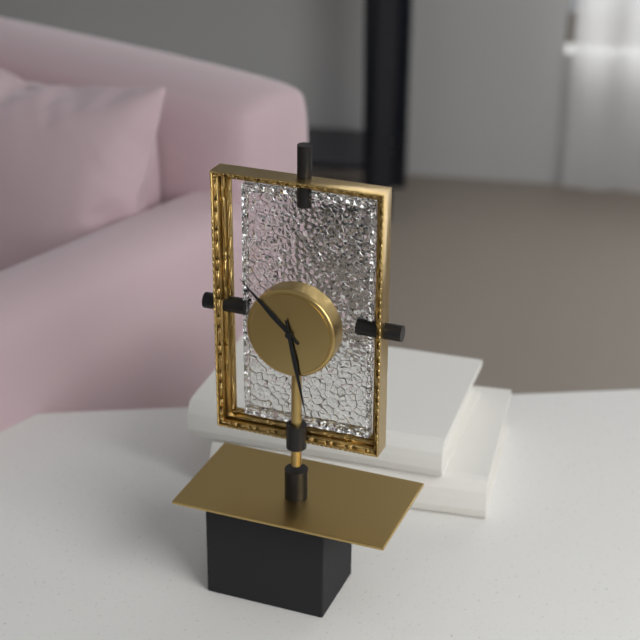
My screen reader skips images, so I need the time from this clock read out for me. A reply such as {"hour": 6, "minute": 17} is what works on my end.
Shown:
{"hour": 10, "minute": 28}
